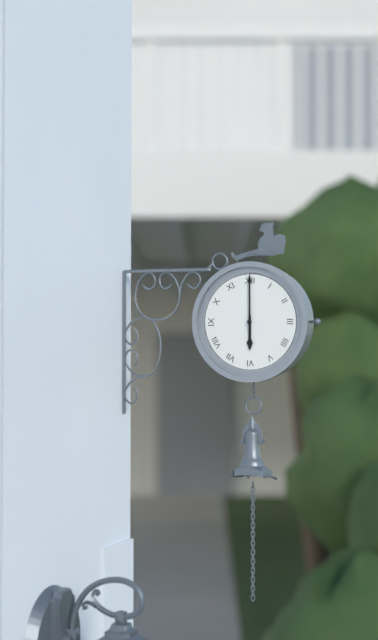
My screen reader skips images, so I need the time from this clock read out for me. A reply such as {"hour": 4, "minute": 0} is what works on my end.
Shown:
{"hour": 6, "minute": 0}
